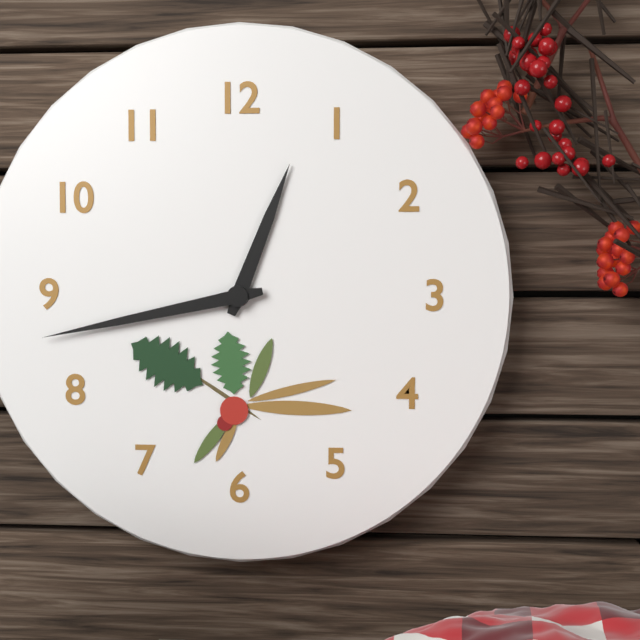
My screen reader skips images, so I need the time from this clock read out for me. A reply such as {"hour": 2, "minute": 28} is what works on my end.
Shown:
{"hour": 12, "minute": 43}
